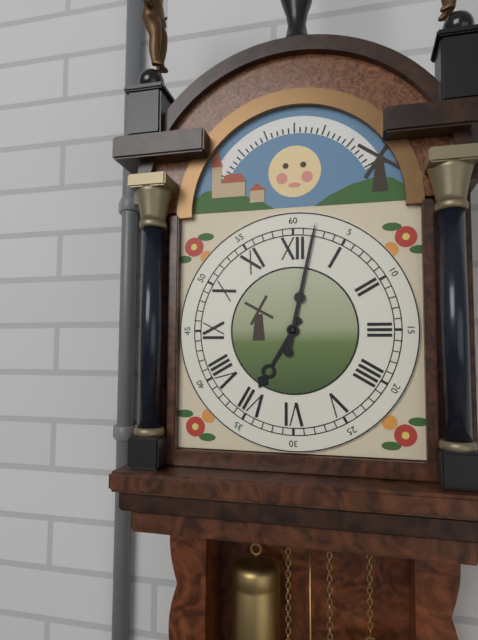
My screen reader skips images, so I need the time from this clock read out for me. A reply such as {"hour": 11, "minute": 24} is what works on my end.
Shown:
{"hour": 7, "minute": 2}
